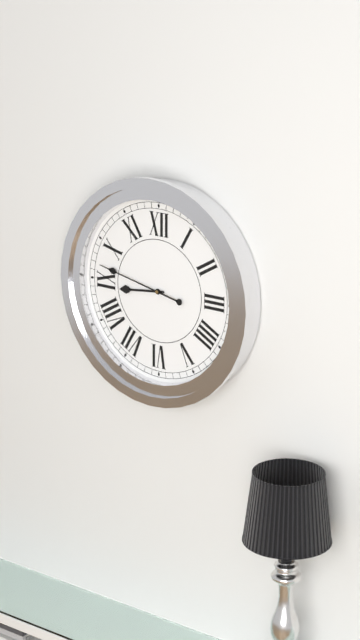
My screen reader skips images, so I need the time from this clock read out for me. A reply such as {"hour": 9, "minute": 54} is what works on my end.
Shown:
{"hour": 8, "minute": 47}
